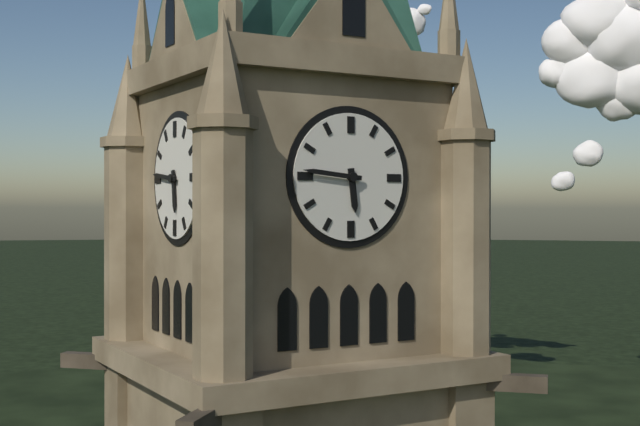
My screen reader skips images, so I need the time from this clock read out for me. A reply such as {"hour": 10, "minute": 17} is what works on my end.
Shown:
{"hour": 5, "minute": 46}
